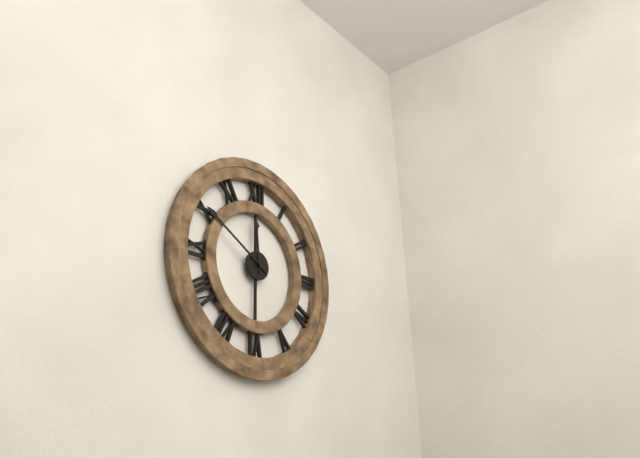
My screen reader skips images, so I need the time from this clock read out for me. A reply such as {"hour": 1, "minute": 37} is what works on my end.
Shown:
{"hour": 11, "minute": 50}
